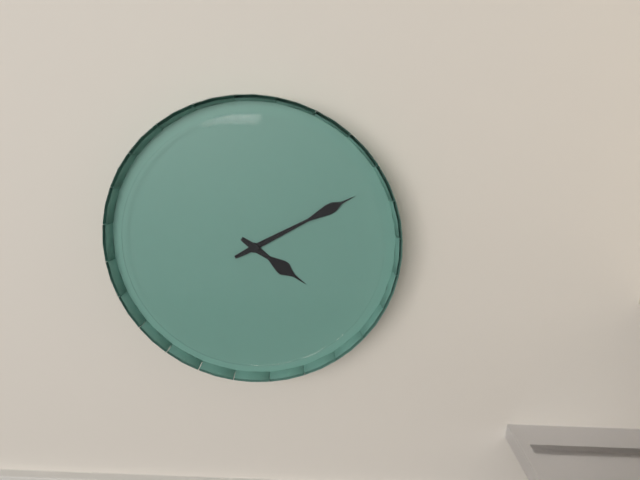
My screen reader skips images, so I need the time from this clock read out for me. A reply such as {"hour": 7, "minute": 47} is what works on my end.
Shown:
{"hour": 4, "minute": 10}
